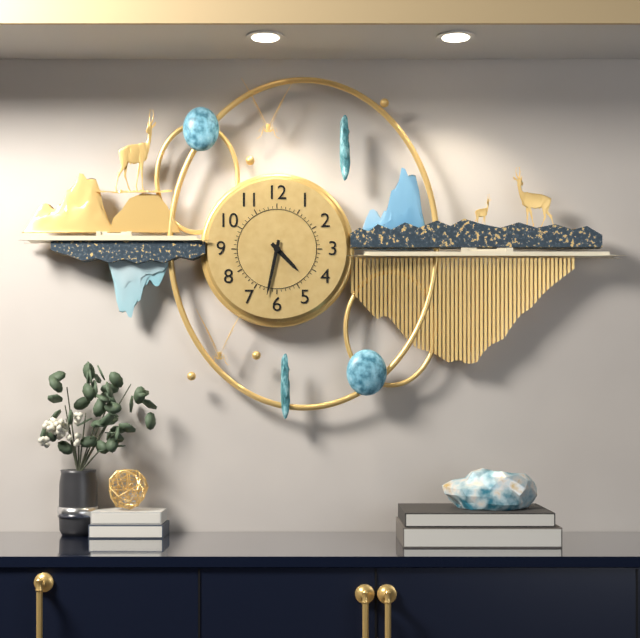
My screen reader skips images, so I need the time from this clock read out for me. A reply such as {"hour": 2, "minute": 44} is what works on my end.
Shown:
{"hour": 4, "minute": 32}
